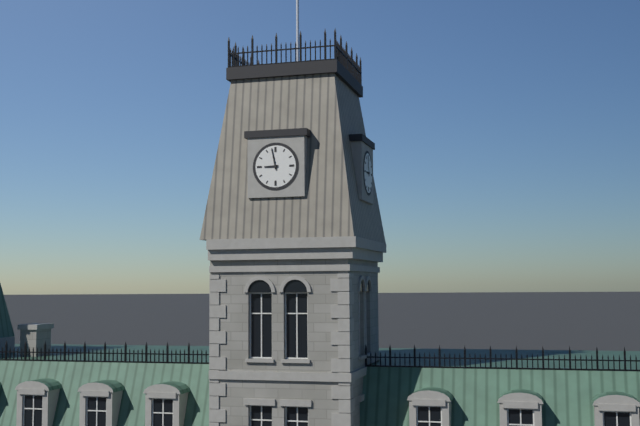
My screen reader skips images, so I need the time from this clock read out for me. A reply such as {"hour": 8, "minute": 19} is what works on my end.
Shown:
{"hour": 8, "minute": 58}
